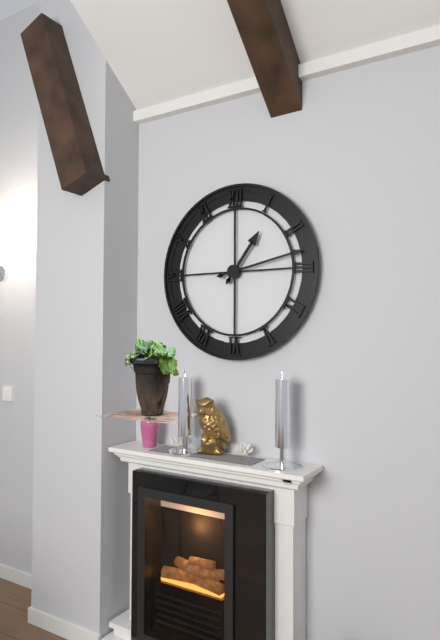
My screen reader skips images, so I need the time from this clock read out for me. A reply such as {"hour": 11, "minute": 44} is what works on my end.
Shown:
{"hour": 1, "minute": 13}
